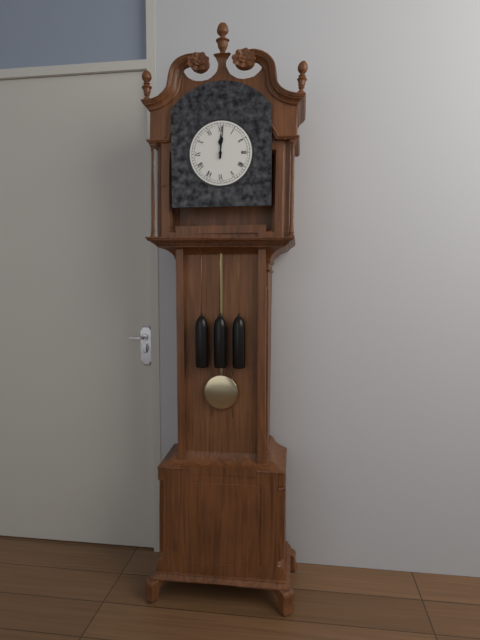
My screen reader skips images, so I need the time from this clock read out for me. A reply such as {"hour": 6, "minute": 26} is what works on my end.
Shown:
{"hour": 12, "minute": 1}
